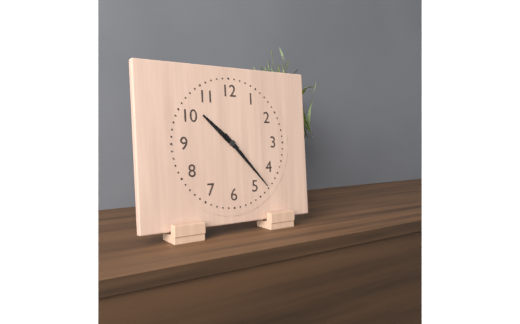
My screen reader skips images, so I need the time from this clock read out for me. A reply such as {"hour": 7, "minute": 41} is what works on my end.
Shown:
{"hour": 10, "minute": 23}
